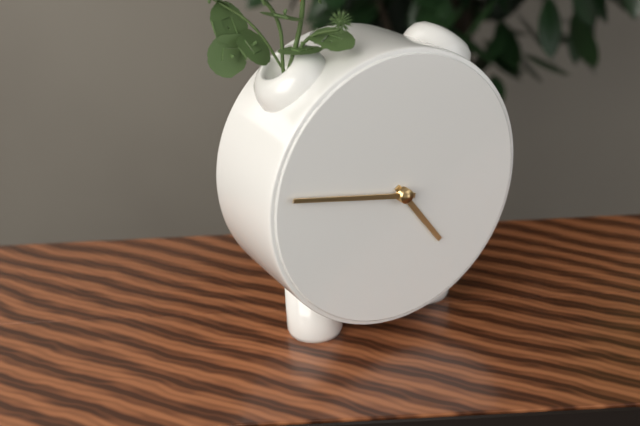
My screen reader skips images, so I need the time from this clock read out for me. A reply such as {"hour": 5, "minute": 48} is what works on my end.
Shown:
{"hour": 4, "minute": 47}
